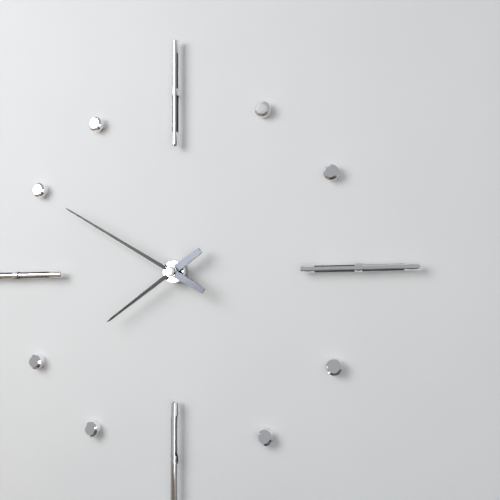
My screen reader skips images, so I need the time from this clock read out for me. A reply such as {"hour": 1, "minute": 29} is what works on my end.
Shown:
{"hour": 7, "minute": 50}
